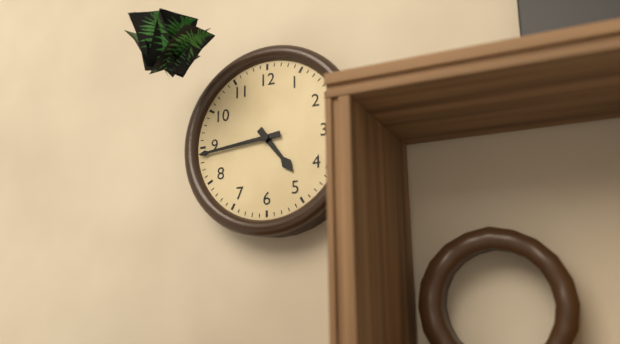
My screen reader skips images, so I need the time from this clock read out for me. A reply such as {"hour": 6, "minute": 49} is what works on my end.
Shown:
{"hour": 4, "minute": 44}
